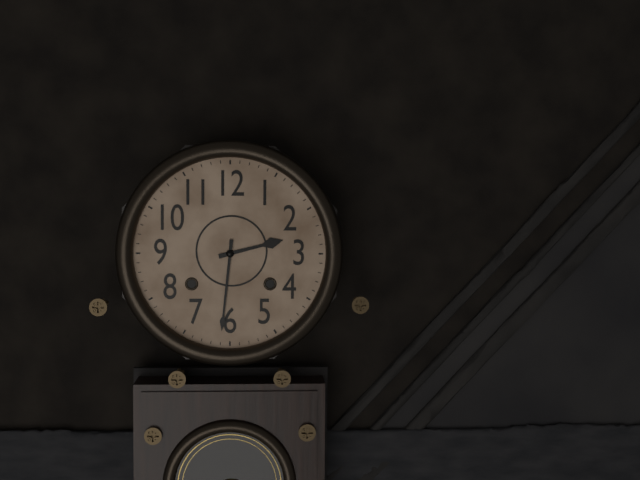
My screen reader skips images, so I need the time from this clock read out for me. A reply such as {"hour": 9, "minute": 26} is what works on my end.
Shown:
{"hour": 2, "minute": 31}
